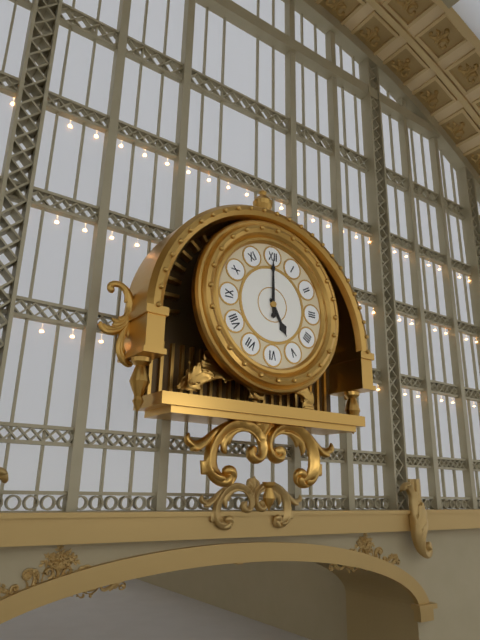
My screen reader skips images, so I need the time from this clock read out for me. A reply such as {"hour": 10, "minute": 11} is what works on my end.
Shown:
{"hour": 5, "minute": 0}
